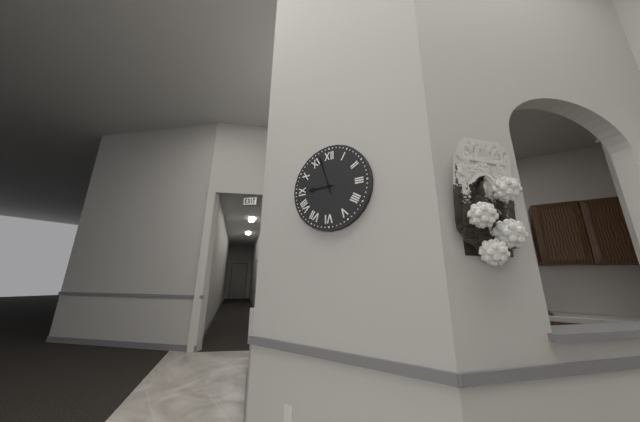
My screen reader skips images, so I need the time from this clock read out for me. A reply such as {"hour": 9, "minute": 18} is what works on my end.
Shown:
{"hour": 8, "minute": 57}
